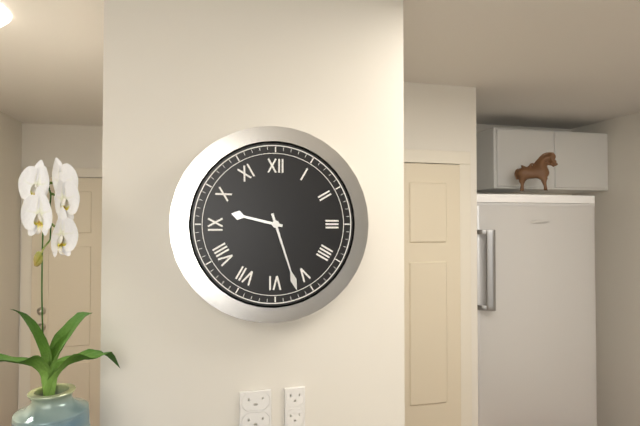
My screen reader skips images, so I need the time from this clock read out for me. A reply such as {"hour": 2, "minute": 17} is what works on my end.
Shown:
{"hour": 9, "minute": 27}
